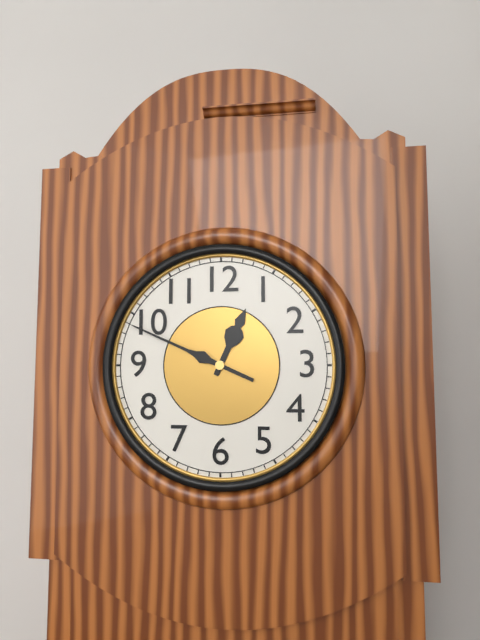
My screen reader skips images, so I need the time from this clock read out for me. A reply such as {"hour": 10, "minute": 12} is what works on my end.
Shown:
{"hour": 12, "minute": 49}
